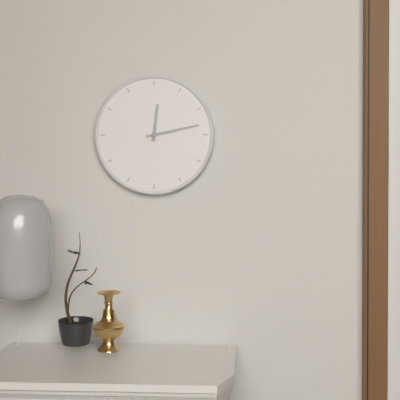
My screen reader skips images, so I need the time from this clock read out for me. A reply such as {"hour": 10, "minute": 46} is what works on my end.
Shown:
{"hour": 12, "minute": 13}
